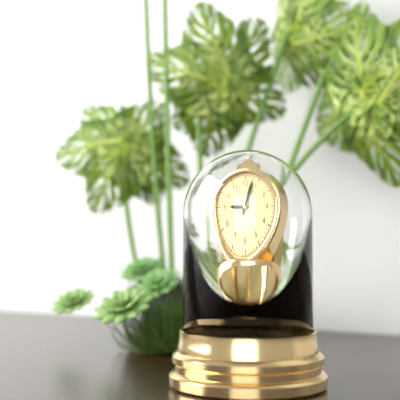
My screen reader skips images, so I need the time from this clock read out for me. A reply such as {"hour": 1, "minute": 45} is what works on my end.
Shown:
{"hour": 9, "minute": 3}
